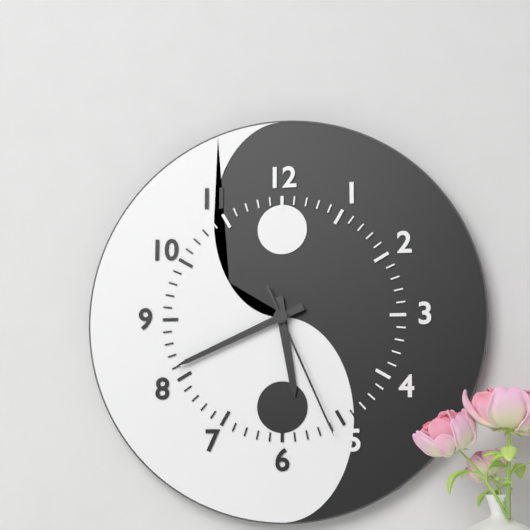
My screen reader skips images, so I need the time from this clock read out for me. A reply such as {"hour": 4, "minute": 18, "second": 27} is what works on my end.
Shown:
{"hour": 5, "minute": 41, "second": 26}
